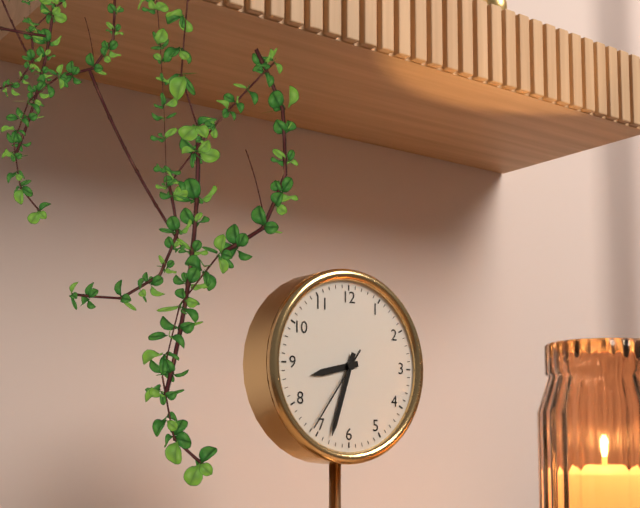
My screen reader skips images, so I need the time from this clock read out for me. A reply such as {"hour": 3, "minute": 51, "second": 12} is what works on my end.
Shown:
{"hour": 8, "minute": 33, "second": 36}
